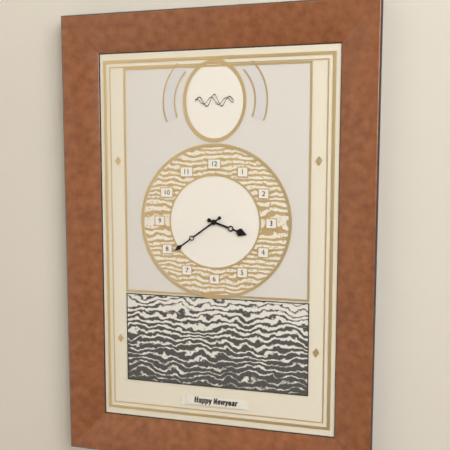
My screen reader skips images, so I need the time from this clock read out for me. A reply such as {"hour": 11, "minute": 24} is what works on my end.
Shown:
{"hour": 3, "minute": 39}
